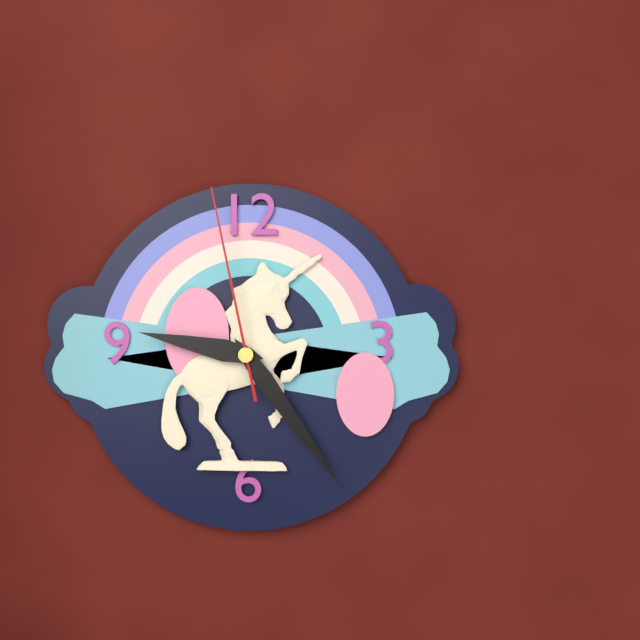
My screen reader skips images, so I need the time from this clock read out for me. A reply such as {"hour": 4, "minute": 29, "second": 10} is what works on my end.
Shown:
{"hour": 9, "minute": 24, "second": 58}
